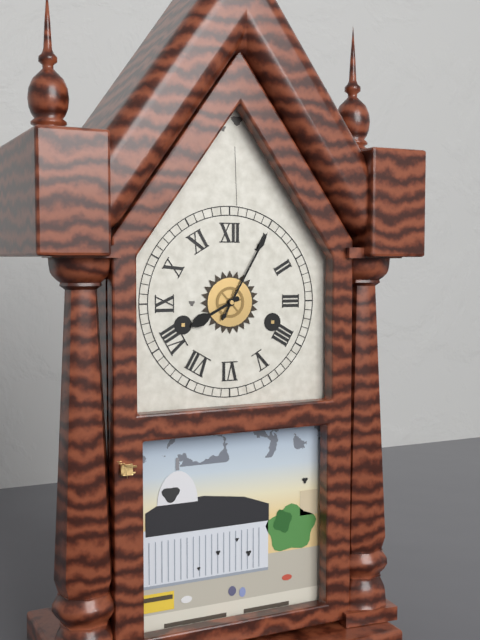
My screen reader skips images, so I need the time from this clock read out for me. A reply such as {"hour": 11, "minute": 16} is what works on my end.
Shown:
{"hour": 8, "minute": 5}
